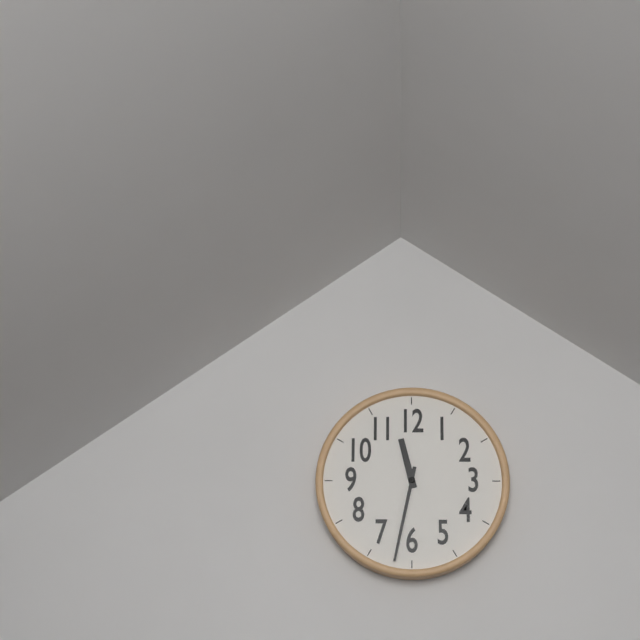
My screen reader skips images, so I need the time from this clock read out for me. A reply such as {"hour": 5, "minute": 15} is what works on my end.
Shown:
{"hour": 11, "minute": 32}
